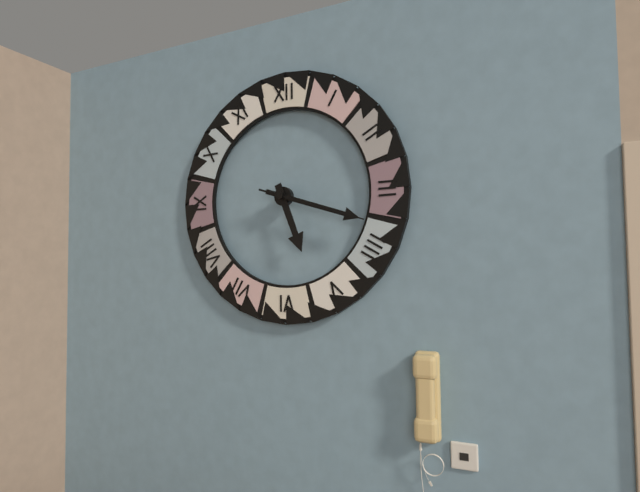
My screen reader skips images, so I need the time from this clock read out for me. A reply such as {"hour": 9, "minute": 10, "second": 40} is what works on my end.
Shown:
{"hour": 5, "minute": 18, "second": 18}
